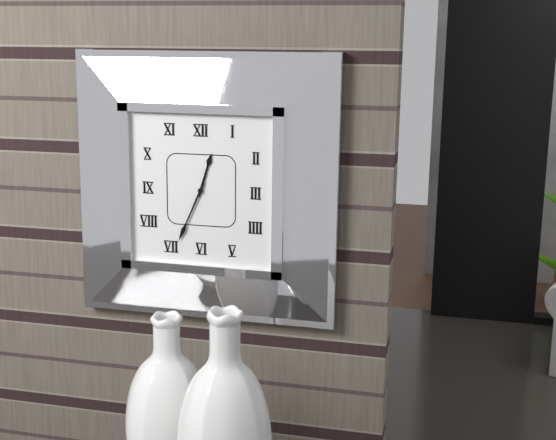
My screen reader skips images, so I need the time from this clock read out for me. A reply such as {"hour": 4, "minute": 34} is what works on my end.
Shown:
{"hour": 12, "minute": 34}
